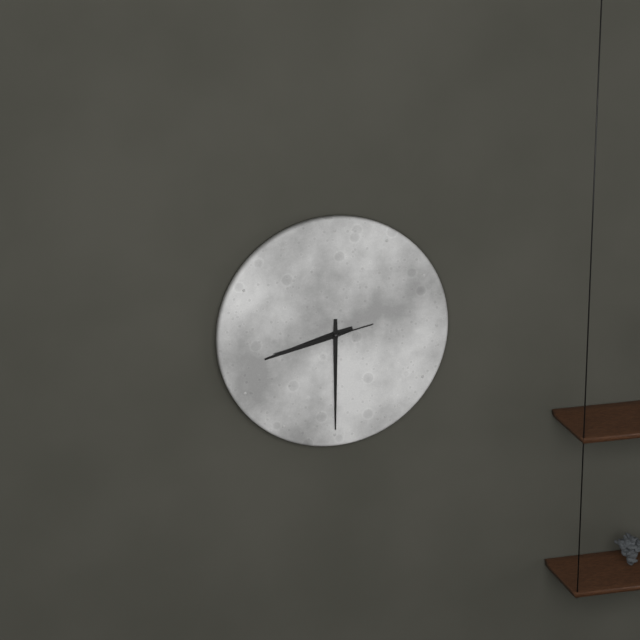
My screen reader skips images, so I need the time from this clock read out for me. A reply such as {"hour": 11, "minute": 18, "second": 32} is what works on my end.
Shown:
{"hour": 8, "minute": 30, "second": 43}
